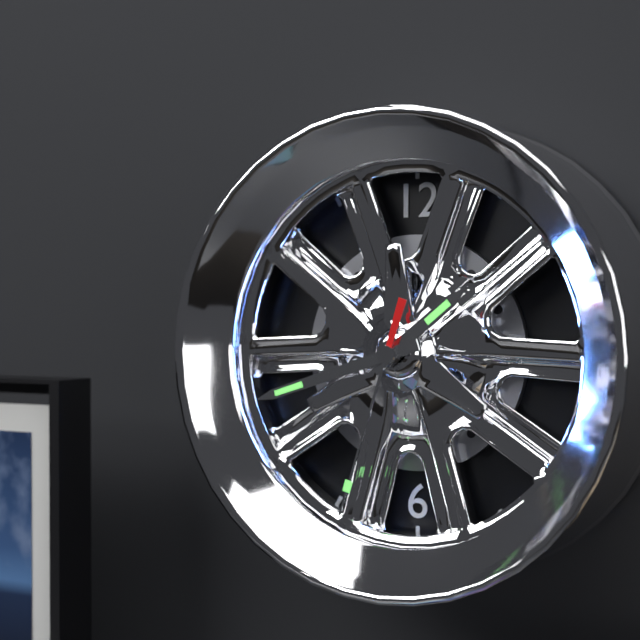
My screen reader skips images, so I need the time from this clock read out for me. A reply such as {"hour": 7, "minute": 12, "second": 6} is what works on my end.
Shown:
{"hour": 1, "minute": 42, "second": 33}
